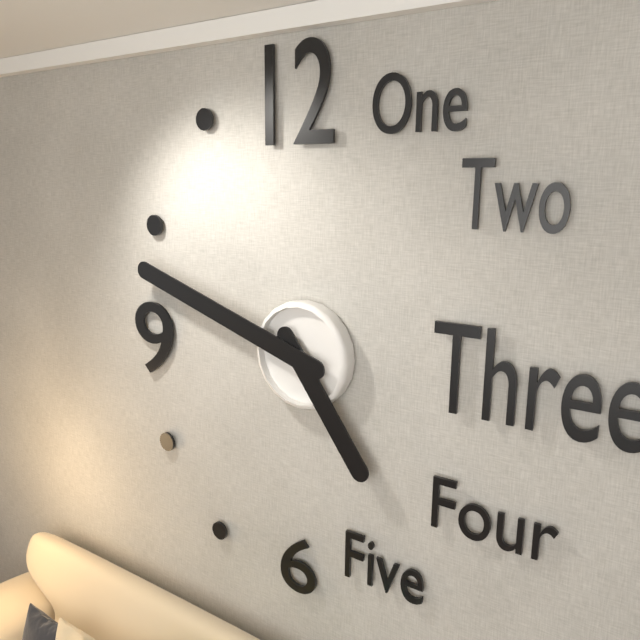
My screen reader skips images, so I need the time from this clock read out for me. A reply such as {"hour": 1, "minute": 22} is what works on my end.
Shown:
{"hour": 4, "minute": 48}
